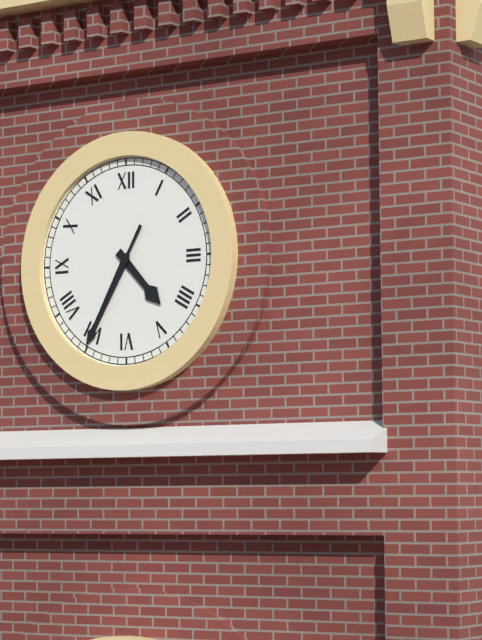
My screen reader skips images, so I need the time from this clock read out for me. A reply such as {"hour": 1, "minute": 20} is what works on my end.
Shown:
{"hour": 4, "minute": 35}
